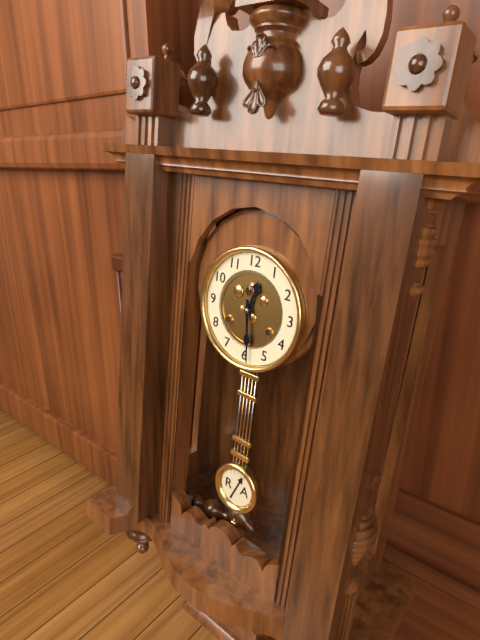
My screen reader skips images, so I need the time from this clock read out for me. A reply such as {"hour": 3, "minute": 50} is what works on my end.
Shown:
{"hour": 12, "minute": 29}
